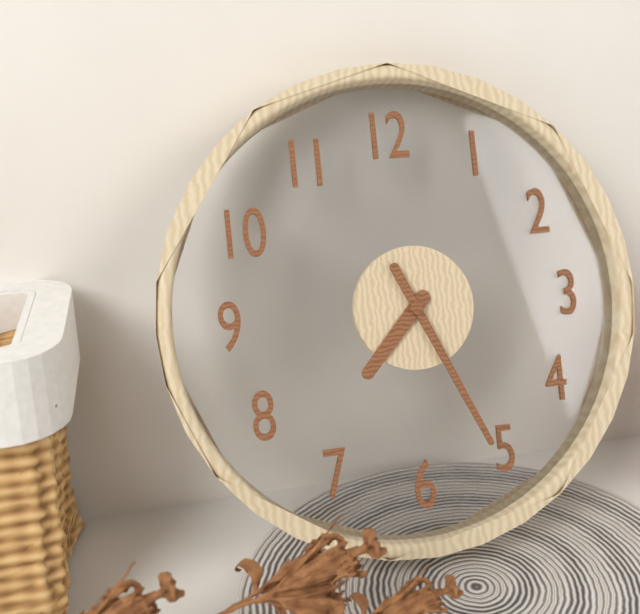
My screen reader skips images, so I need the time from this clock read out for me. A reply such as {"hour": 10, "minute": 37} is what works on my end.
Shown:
{"hour": 7, "minute": 26}
